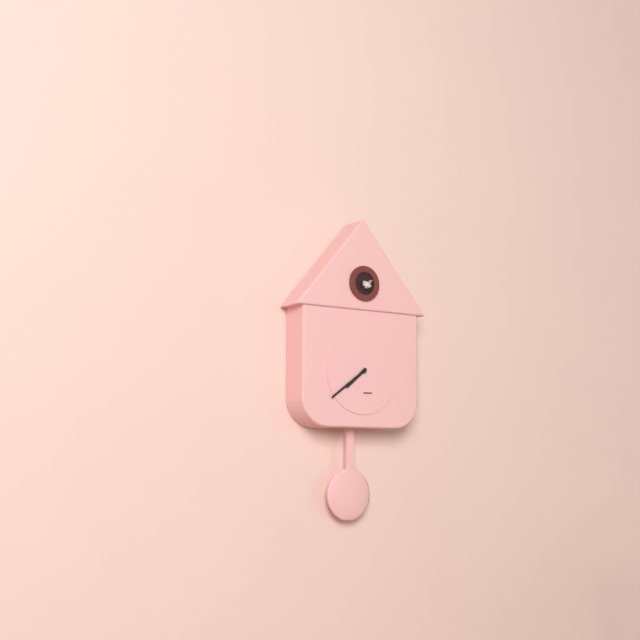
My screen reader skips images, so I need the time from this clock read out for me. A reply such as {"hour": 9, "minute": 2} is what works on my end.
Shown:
{"hour": 7, "minute": 39}
